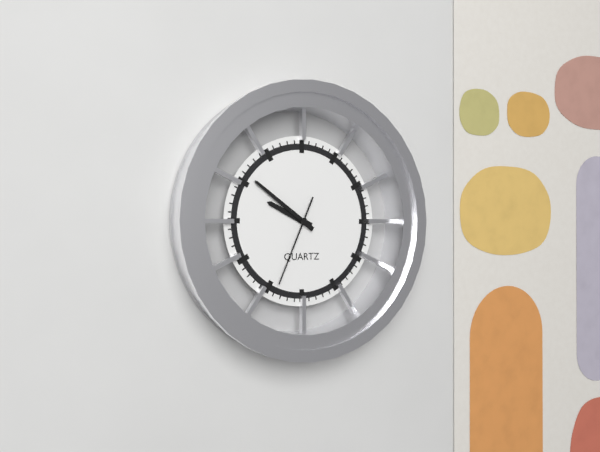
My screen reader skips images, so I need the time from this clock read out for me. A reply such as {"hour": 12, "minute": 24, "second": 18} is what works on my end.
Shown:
{"hour": 9, "minute": 51, "second": 34}
